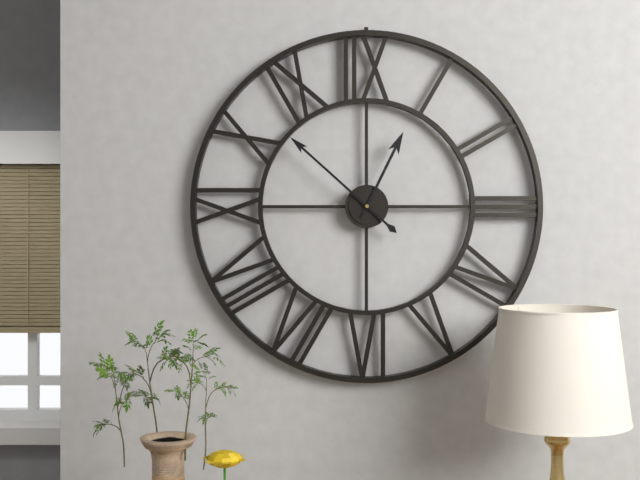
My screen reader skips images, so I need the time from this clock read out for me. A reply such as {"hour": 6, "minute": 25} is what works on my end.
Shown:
{"hour": 12, "minute": 52}
